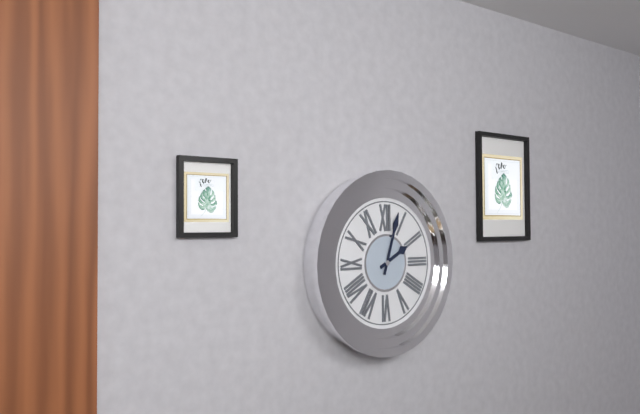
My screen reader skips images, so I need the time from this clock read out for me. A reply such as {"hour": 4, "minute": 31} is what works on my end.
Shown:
{"hour": 2, "minute": 3}
